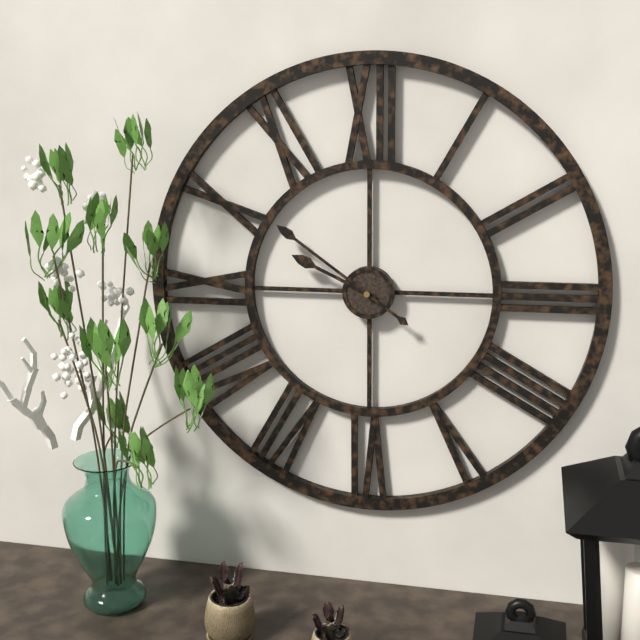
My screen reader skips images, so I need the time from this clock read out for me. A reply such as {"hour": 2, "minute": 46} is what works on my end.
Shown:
{"hour": 9, "minute": 51}
